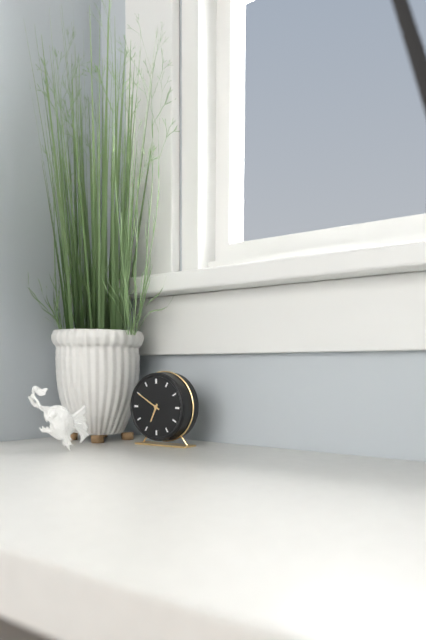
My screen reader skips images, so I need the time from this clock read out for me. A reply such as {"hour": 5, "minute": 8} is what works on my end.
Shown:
{"hour": 6, "minute": 50}
